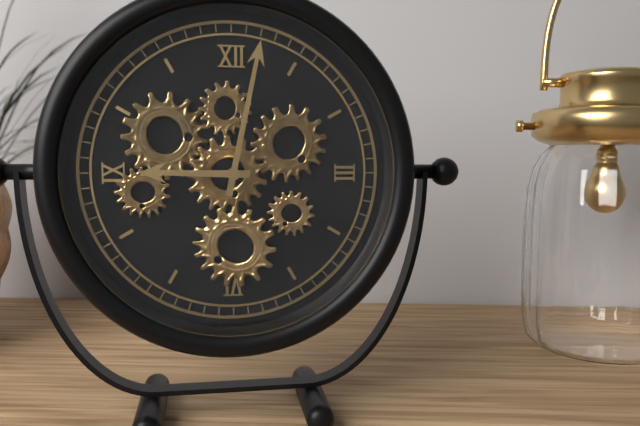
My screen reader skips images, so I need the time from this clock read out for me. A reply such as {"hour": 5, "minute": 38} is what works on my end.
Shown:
{"hour": 9, "minute": 2}
